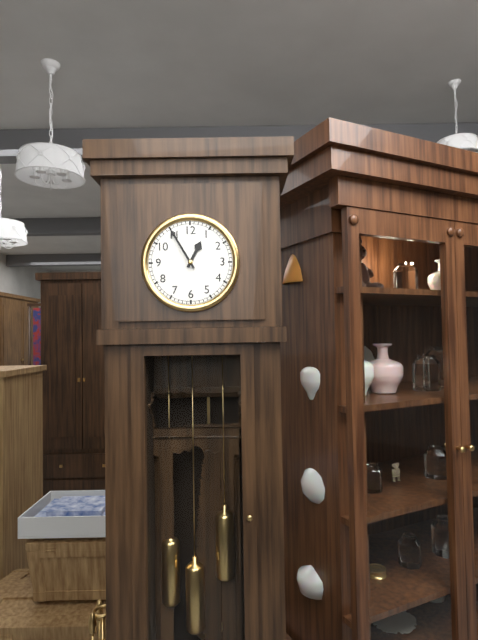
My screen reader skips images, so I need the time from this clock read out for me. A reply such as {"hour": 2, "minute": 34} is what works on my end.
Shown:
{"hour": 12, "minute": 55}
